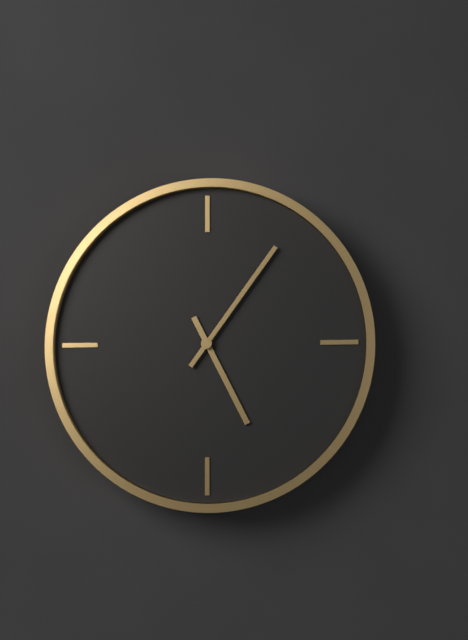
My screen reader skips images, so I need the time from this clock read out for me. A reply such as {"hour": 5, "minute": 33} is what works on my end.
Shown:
{"hour": 5, "minute": 6}
